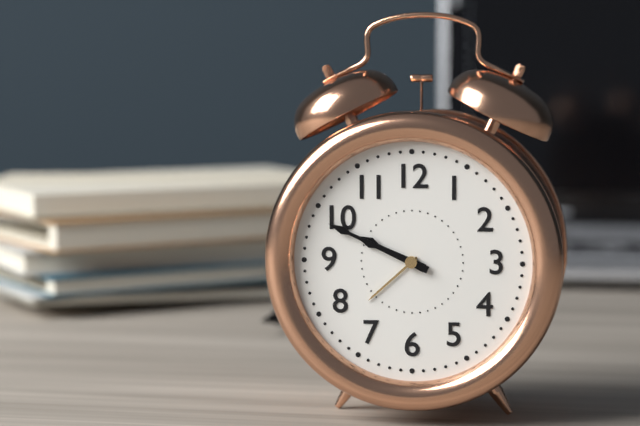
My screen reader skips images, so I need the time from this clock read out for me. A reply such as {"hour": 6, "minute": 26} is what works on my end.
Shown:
{"hour": 9, "minute": 49}
